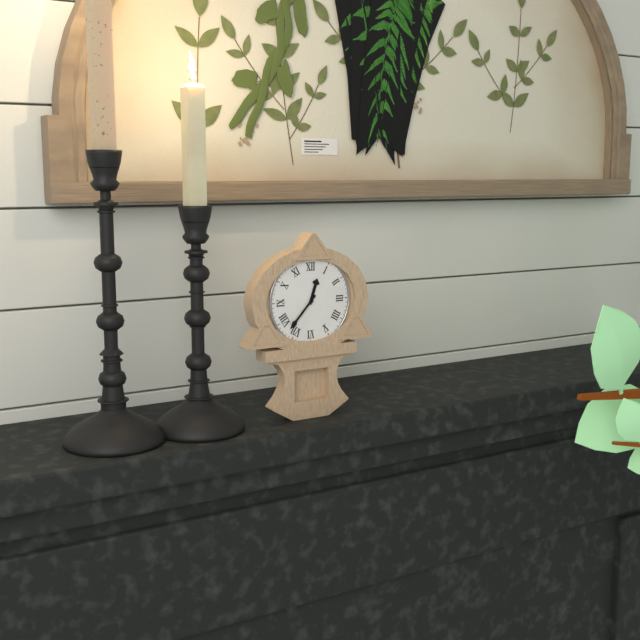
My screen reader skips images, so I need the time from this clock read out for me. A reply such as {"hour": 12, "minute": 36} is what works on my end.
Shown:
{"hour": 12, "minute": 37}
